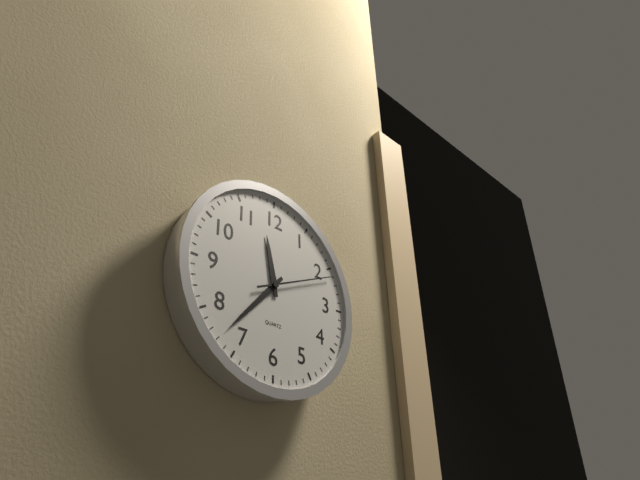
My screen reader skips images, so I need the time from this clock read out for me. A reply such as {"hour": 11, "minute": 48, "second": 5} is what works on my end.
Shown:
{"hour": 11, "minute": 37, "second": 11}
